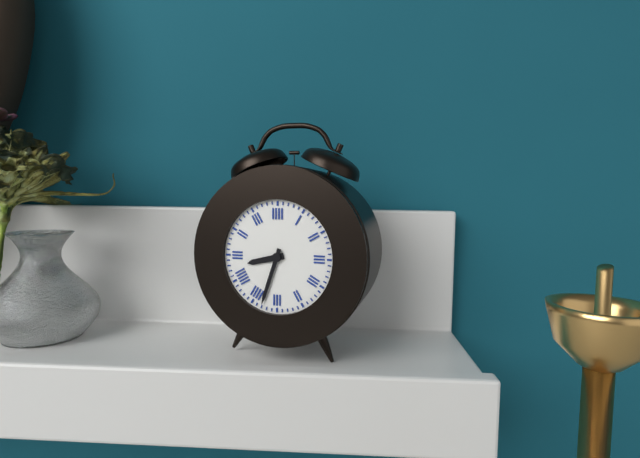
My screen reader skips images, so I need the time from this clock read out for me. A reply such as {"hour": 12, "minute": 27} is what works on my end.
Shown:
{"hour": 8, "minute": 33}
